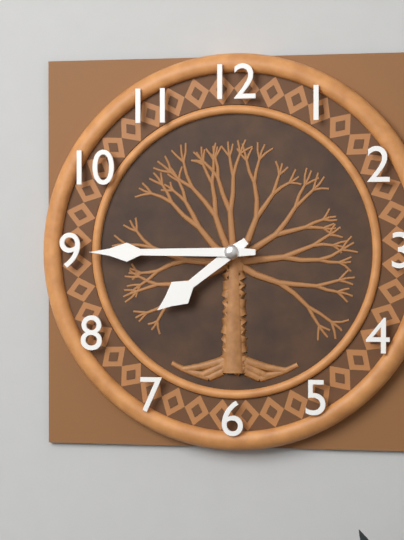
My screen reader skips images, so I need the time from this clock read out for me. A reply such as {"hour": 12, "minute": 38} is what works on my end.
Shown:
{"hour": 7, "minute": 45}
